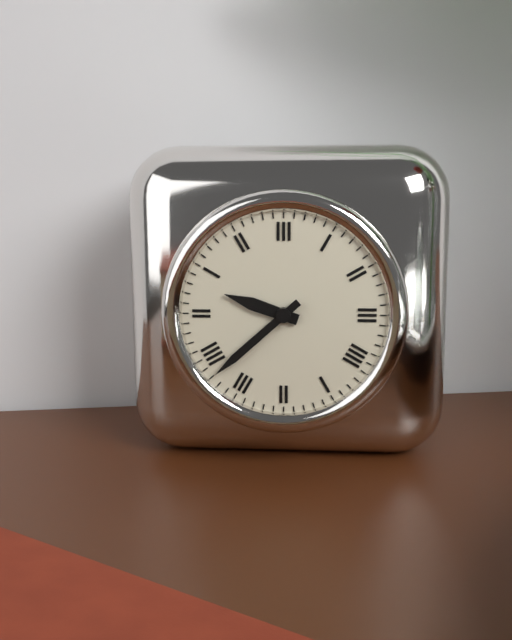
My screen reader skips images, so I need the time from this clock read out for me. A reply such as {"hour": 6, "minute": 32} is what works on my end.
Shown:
{"hour": 9, "minute": 38}
